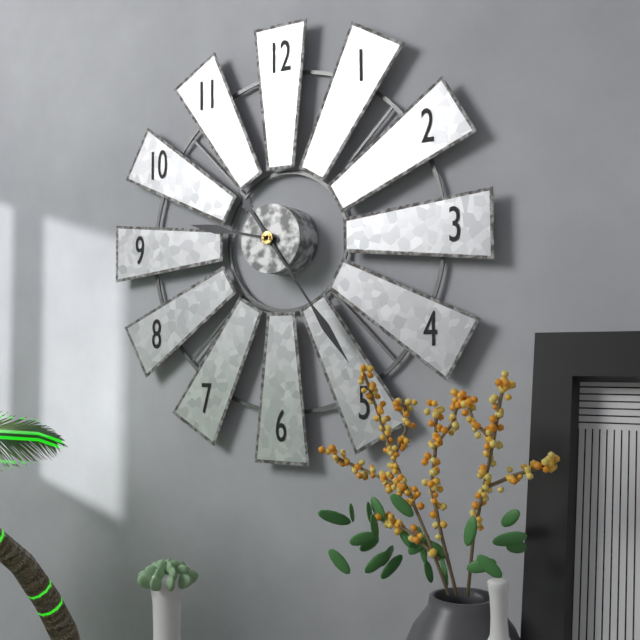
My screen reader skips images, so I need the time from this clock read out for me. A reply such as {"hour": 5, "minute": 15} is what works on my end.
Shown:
{"hour": 9, "minute": 24}
